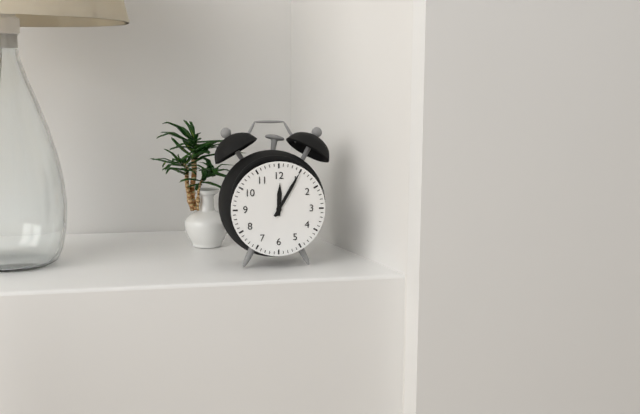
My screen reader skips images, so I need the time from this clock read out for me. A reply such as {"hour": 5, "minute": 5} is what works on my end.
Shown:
{"hour": 12, "minute": 5}
